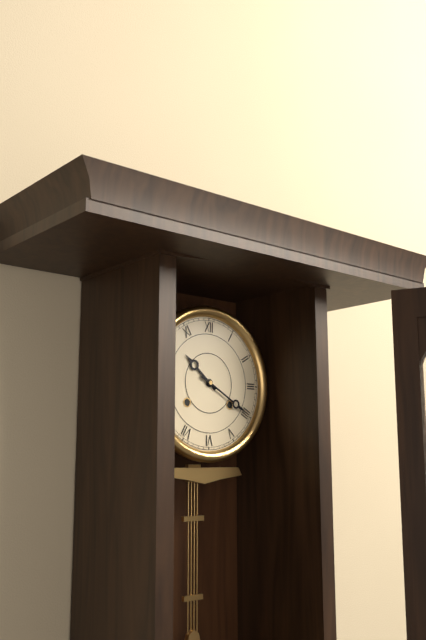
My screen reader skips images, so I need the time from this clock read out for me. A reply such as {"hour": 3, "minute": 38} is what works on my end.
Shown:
{"hour": 10, "minute": 20}
